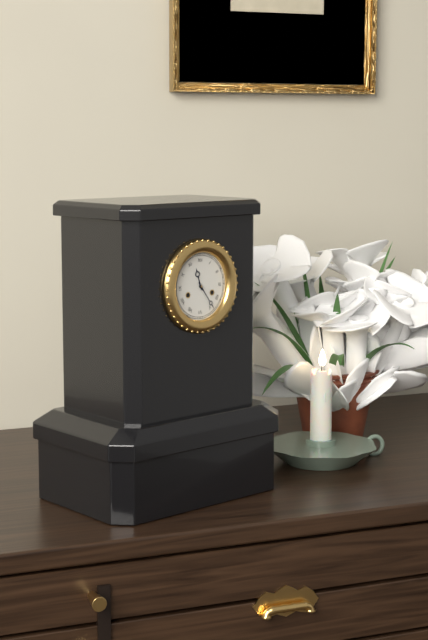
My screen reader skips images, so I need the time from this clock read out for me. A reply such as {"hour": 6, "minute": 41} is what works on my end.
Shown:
{"hour": 11, "minute": 24}
